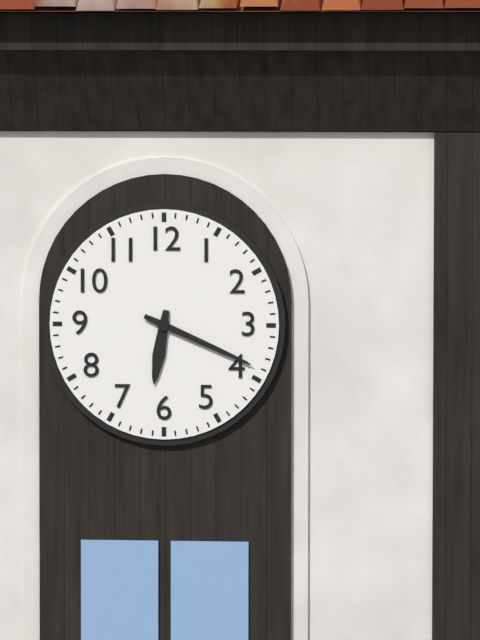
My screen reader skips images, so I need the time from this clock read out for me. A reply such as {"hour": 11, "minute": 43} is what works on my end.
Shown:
{"hour": 6, "minute": 19}
